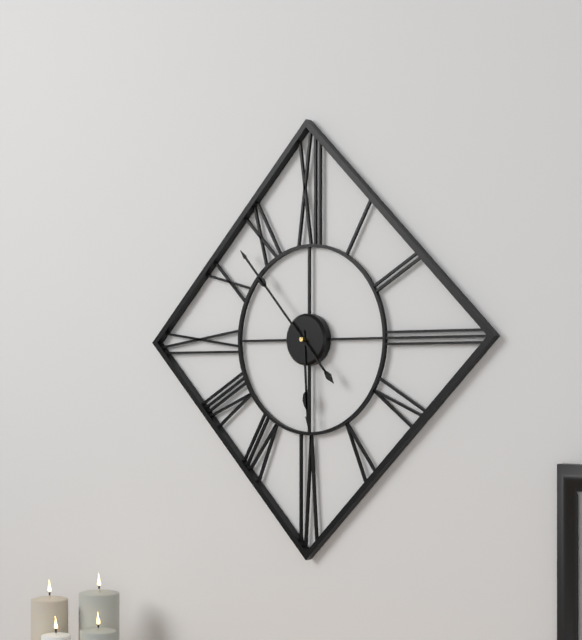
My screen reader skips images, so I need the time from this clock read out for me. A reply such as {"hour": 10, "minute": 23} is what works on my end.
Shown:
{"hour": 5, "minute": 53}
